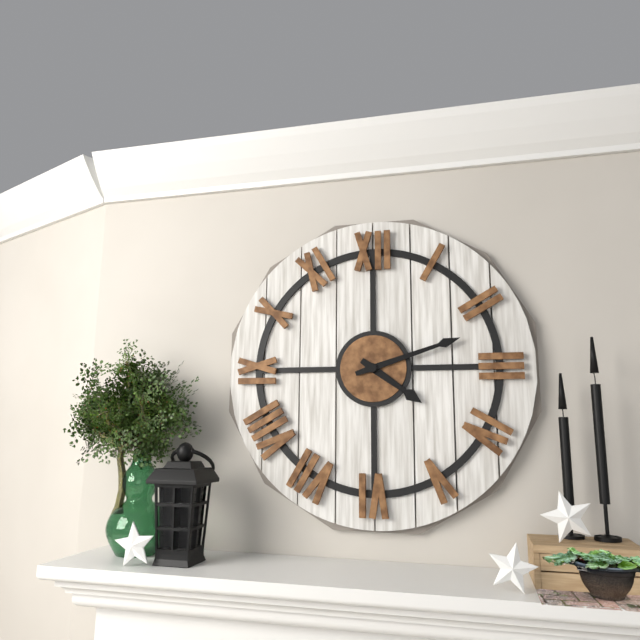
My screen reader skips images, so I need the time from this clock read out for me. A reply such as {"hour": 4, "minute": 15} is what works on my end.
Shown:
{"hour": 4, "minute": 12}
